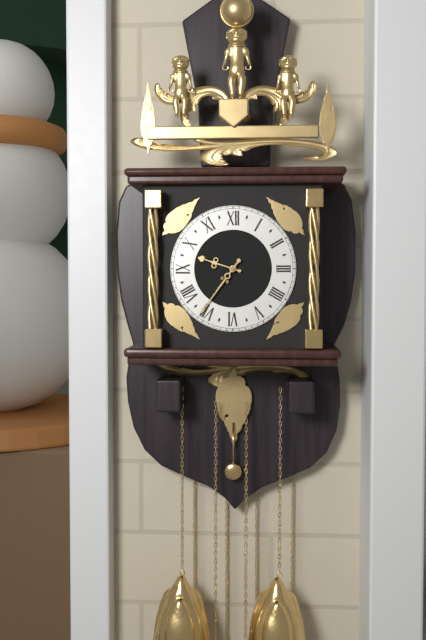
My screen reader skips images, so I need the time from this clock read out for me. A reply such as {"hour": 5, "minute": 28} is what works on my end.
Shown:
{"hour": 9, "minute": 36}
